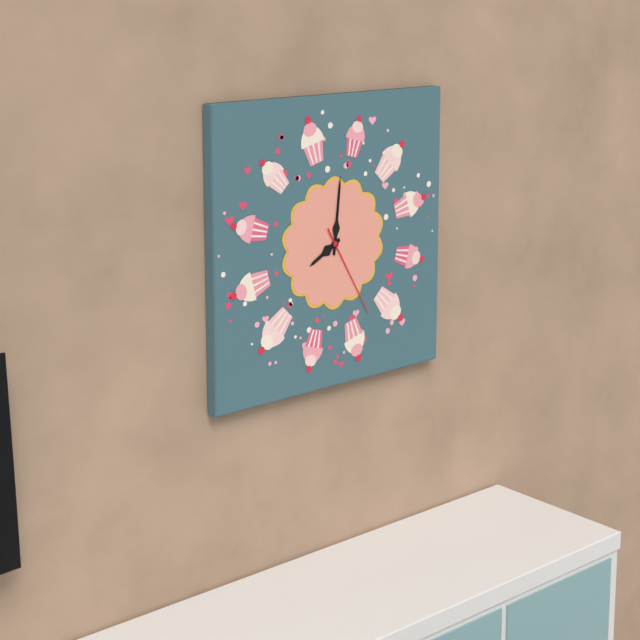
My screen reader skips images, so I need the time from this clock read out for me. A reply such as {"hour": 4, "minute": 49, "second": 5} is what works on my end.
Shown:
{"hour": 8, "minute": 1, "second": 25}
